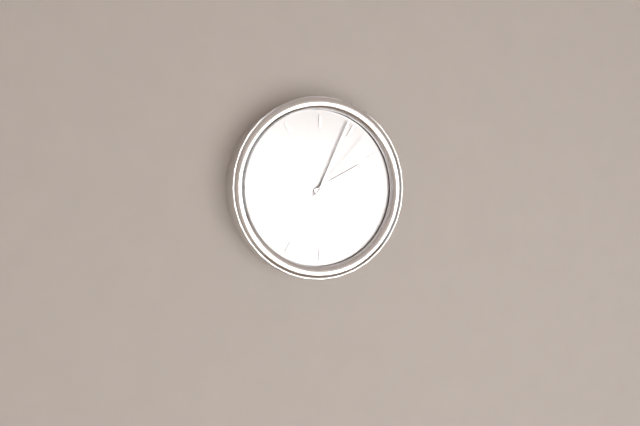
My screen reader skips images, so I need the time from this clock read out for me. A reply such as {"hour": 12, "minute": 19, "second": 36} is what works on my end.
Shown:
{"hour": 2, "minute": 4, "second": 7}
